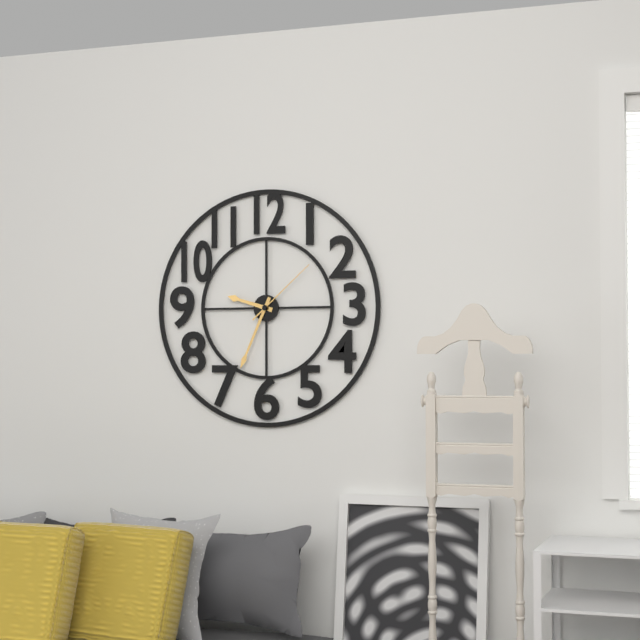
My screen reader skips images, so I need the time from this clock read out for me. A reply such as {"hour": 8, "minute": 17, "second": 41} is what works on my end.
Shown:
{"hour": 9, "minute": 34, "second": 8}
